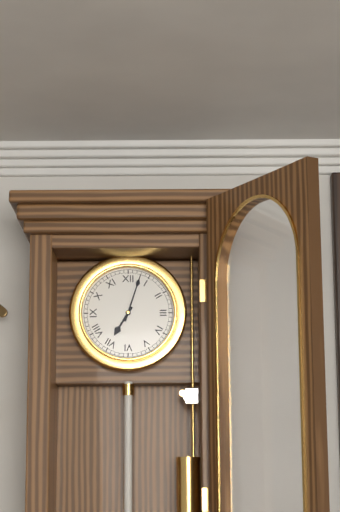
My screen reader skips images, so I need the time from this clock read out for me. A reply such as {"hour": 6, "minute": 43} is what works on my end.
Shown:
{"hour": 7, "minute": 3}
